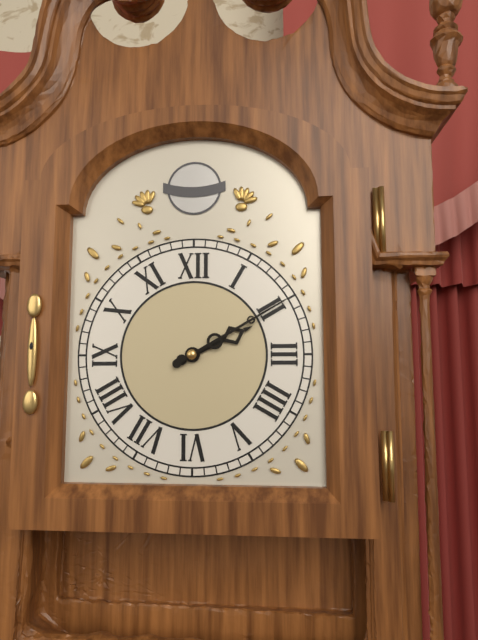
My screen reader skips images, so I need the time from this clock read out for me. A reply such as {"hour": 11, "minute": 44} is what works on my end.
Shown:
{"hour": 2, "minute": 10}
